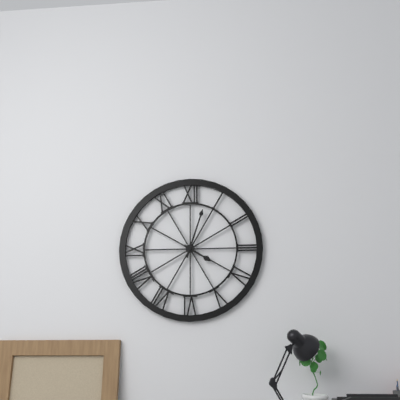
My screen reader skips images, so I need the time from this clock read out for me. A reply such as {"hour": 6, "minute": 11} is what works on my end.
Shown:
{"hour": 4, "minute": 3}
